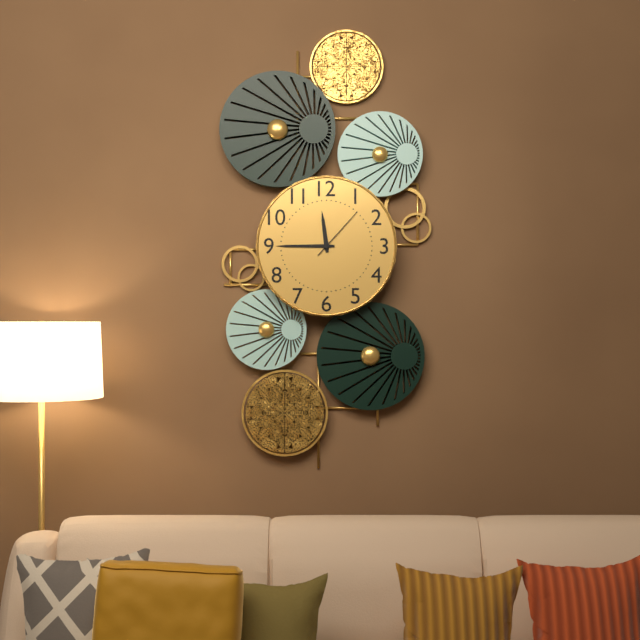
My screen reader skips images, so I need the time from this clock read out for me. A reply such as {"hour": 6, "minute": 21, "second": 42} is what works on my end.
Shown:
{"hour": 11, "minute": 45, "second": 7}
